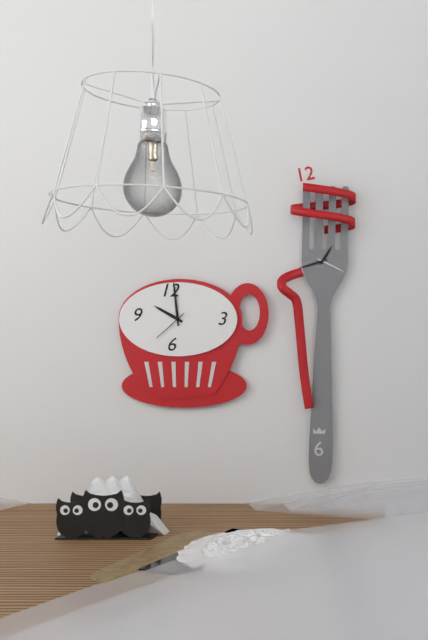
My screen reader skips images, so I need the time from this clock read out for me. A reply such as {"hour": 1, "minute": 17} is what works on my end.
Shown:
{"hour": 9, "minute": 59}
